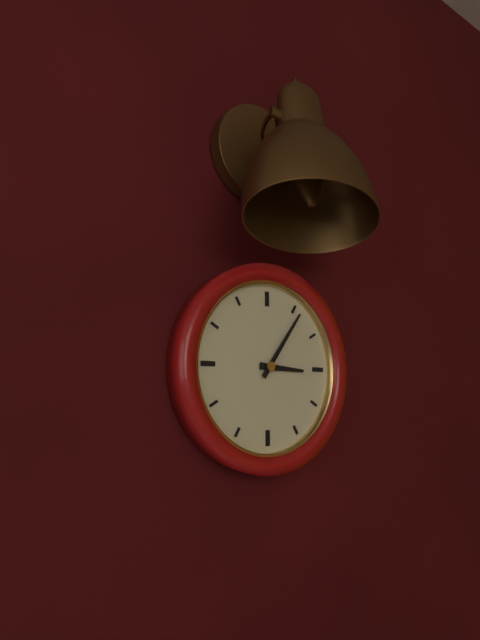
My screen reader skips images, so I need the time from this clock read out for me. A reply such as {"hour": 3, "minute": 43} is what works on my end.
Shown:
{"hour": 3, "minute": 6}
